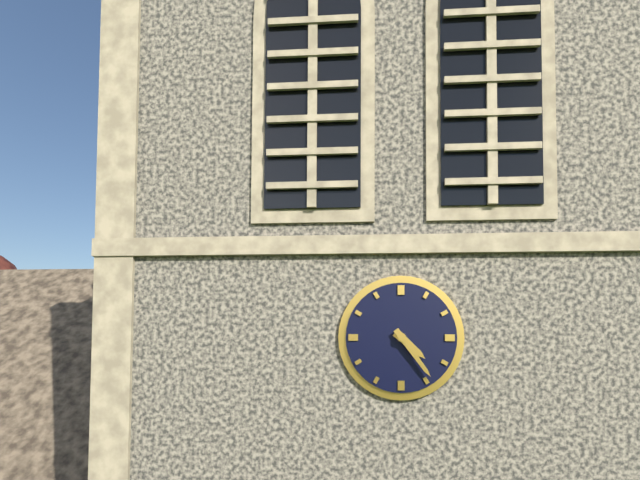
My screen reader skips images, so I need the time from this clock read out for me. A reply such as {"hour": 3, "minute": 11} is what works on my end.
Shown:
{"hour": 4, "minute": 24}
